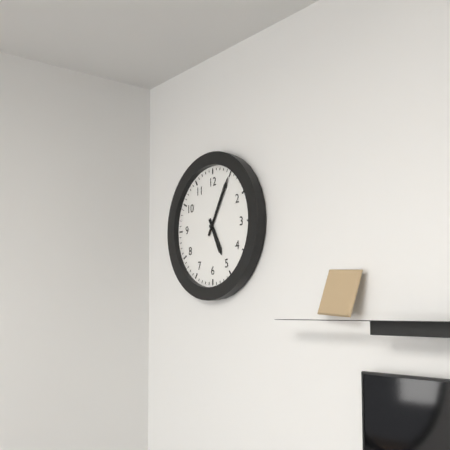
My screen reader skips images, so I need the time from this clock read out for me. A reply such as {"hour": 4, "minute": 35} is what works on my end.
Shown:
{"hour": 5, "minute": 5}
